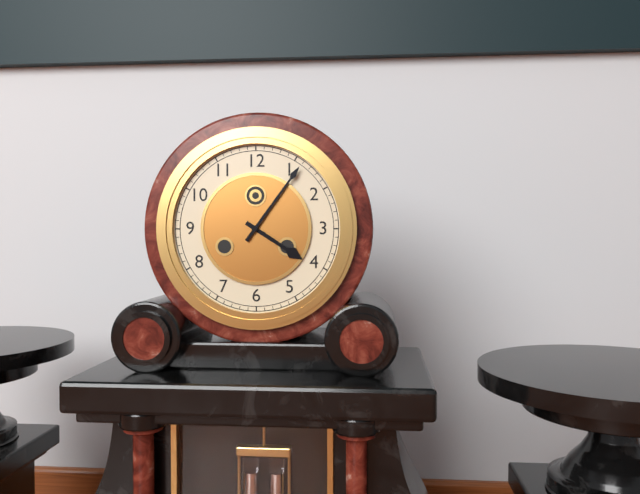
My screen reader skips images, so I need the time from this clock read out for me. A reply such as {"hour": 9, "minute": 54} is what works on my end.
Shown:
{"hour": 4, "minute": 6}
